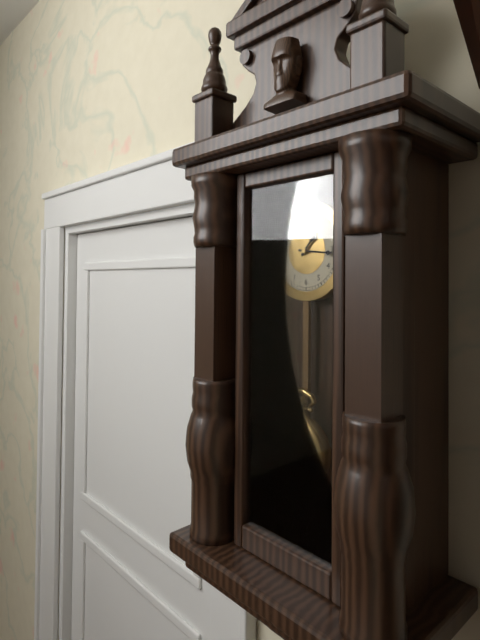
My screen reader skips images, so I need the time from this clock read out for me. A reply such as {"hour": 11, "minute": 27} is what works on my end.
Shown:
{"hour": 1, "minute": 16}
